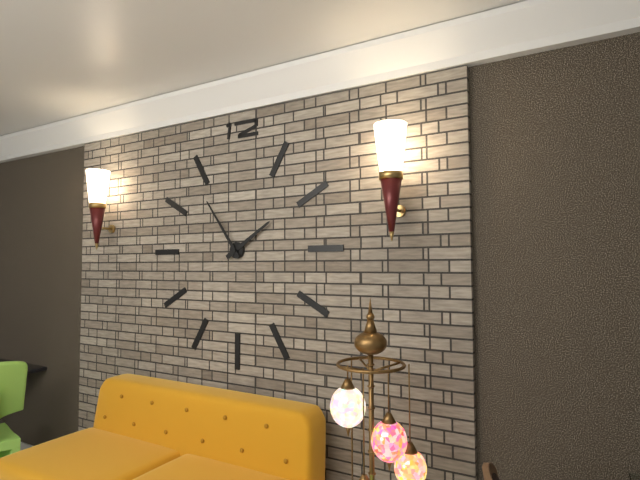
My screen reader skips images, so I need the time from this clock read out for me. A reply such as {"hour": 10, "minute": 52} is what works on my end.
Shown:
{"hour": 1, "minute": 54}
